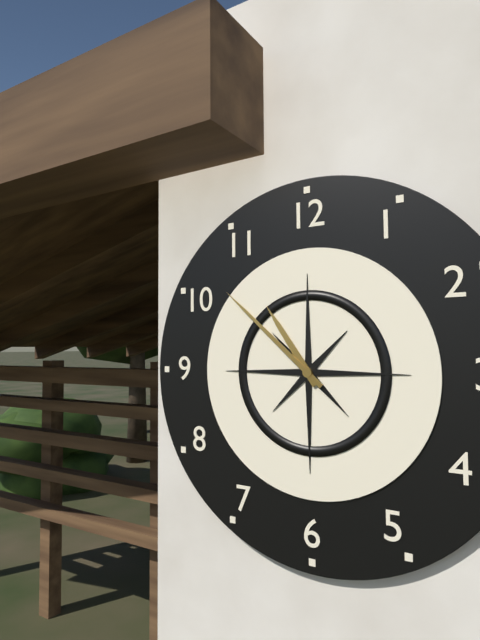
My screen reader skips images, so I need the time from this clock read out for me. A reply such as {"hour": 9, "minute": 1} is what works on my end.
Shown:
{"hour": 10, "minute": 52}
